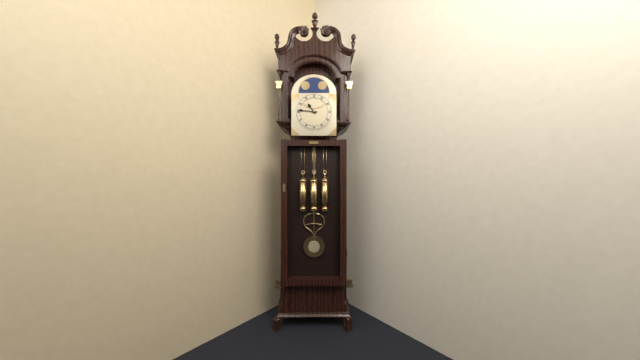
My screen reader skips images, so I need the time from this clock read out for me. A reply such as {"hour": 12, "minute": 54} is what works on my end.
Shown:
{"hour": 10, "minute": 46}
